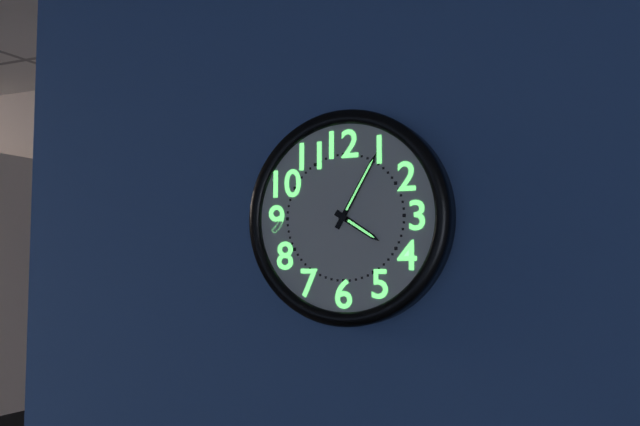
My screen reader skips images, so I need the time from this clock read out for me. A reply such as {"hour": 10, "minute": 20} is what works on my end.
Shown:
{"hour": 4, "minute": 5}
